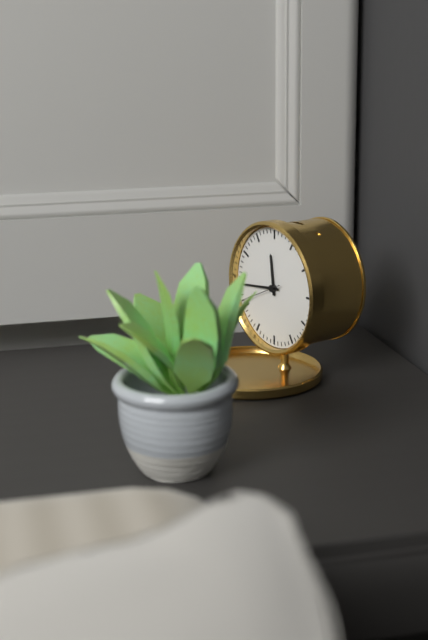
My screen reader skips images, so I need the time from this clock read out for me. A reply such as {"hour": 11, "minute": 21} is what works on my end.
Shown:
{"hour": 11, "minute": 44}
